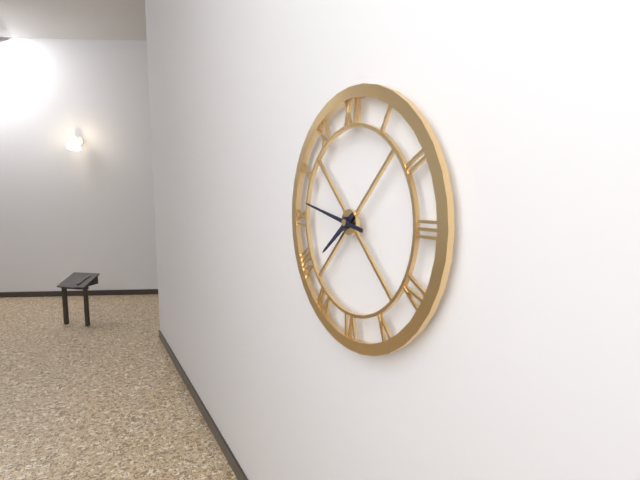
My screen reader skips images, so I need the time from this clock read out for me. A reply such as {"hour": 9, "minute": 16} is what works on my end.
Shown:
{"hour": 7, "minute": 47}
